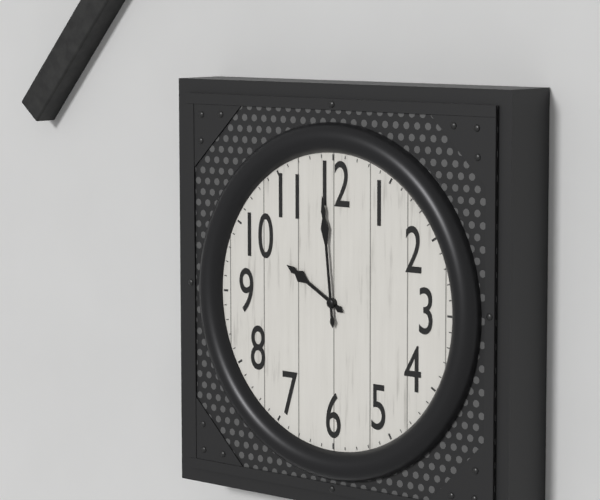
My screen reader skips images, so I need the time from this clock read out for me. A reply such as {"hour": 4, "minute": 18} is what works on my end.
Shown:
{"hour": 9, "minute": 59}
